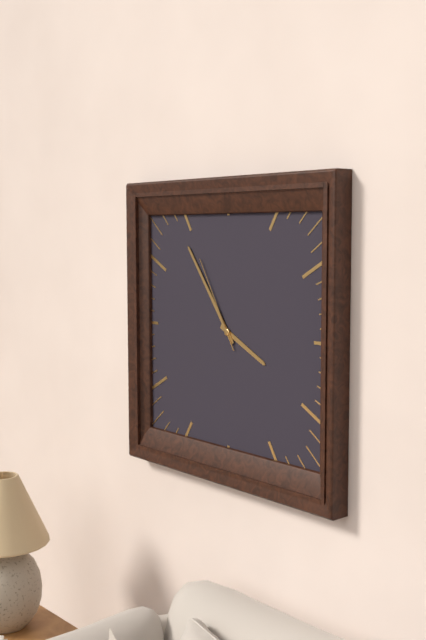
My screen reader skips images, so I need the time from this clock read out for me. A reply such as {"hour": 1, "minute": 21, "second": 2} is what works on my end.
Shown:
{"hour": 3, "minute": 54, "second": 55}
